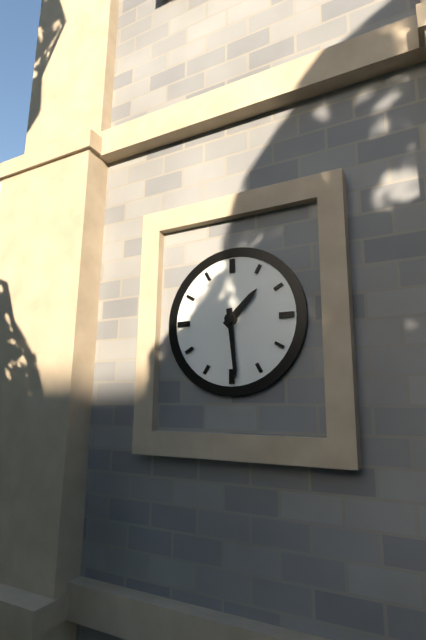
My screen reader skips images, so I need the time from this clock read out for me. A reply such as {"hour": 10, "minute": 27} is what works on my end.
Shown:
{"hour": 1, "minute": 29}
